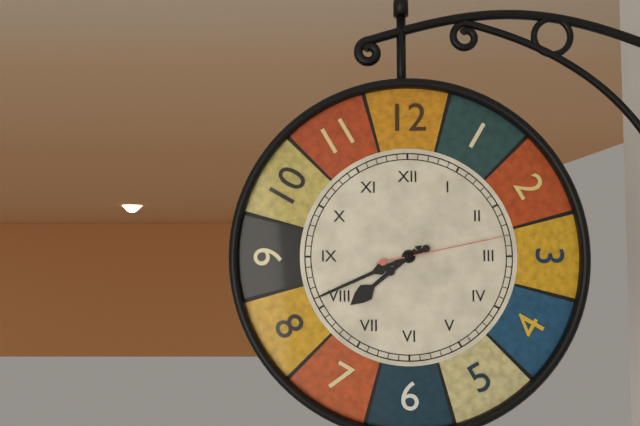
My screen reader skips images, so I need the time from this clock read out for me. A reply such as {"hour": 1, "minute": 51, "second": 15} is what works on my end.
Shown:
{"hour": 7, "minute": 41, "second": 13}
